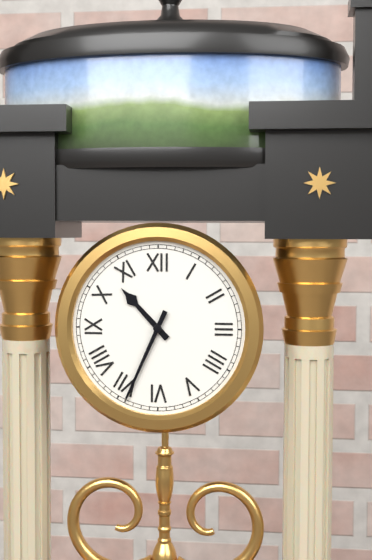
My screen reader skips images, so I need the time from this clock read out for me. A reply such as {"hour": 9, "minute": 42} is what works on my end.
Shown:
{"hour": 10, "minute": 34}
